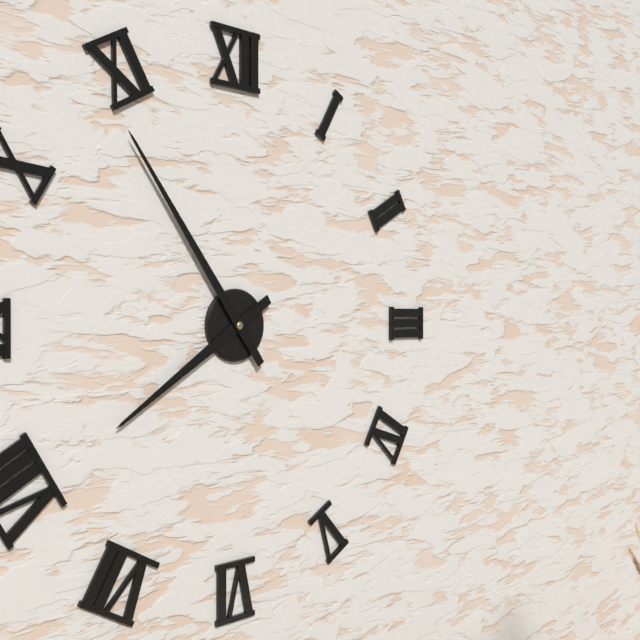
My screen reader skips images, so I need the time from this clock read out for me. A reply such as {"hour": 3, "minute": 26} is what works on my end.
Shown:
{"hour": 7, "minute": 54}
